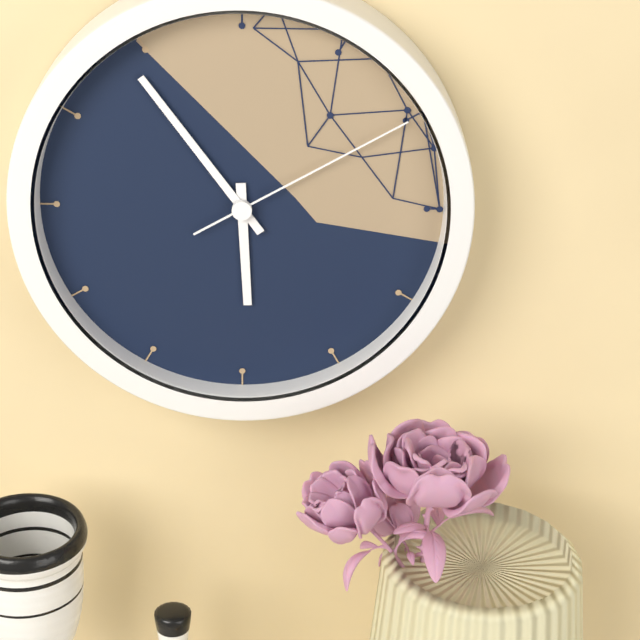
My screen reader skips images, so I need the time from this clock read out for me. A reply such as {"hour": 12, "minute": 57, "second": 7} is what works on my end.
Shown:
{"hour": 5, "minute": 54, "second": 10}
